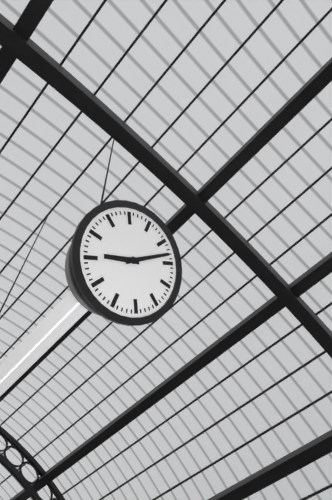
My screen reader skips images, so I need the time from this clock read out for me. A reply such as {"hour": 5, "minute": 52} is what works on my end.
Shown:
{"hour": 8, "minute": 8}
